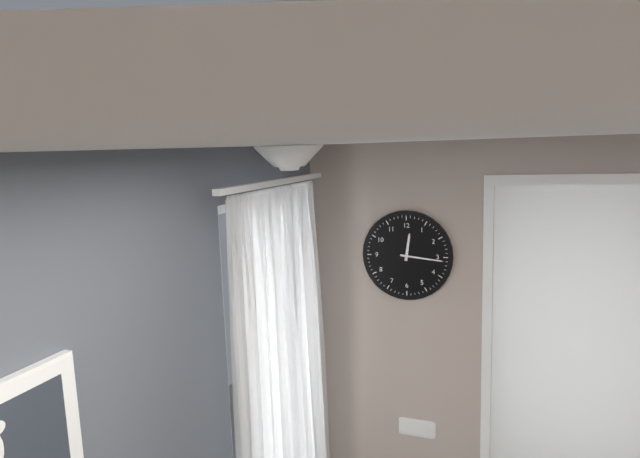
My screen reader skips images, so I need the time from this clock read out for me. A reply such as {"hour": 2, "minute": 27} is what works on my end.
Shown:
{"hour": 12, "minute": 16}
